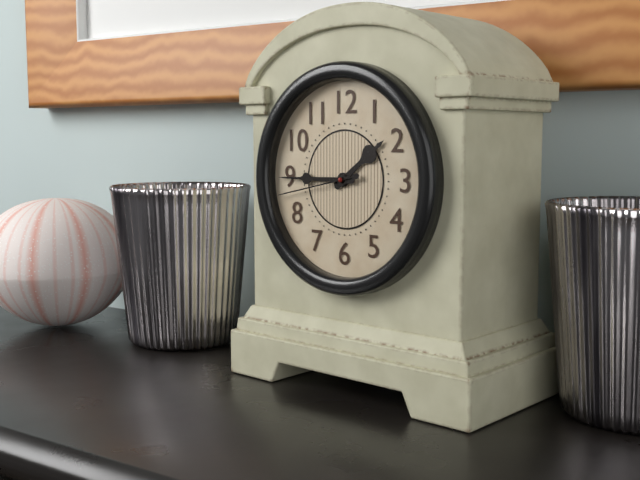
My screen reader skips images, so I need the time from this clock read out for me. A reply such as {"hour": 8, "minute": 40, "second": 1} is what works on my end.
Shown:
{"hour": 1, "minute": 45, "second": 43}
